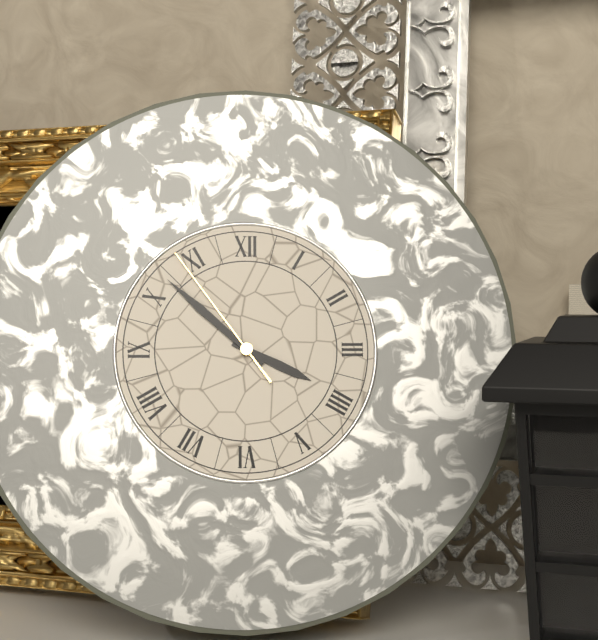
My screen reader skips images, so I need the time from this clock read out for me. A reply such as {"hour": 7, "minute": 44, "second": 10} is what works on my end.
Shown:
{"hour": 3, "minute": 52, "second": 54}
